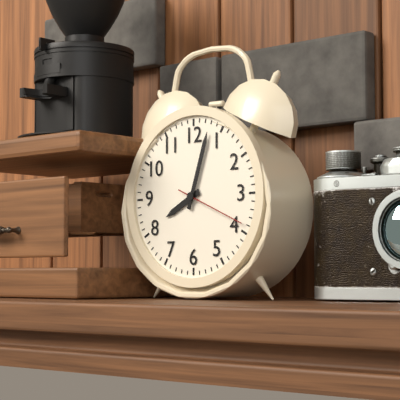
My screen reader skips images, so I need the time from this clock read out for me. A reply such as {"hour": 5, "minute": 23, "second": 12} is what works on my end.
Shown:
{"hour": 8, "minute": 3, "second": 19}
